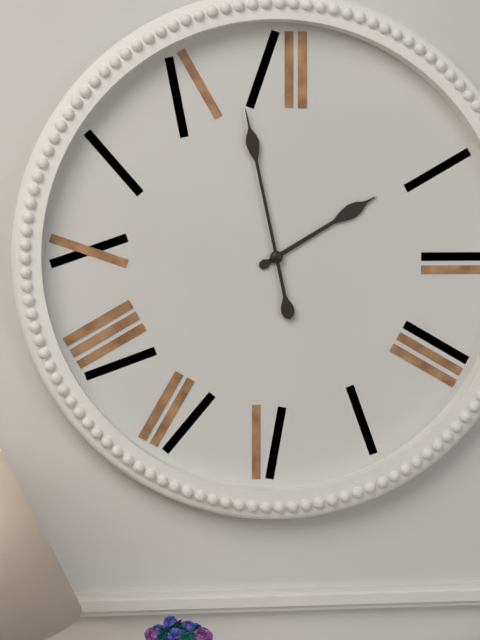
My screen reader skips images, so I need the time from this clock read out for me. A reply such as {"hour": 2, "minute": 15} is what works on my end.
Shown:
{"hour": 1, "minute": 58}
